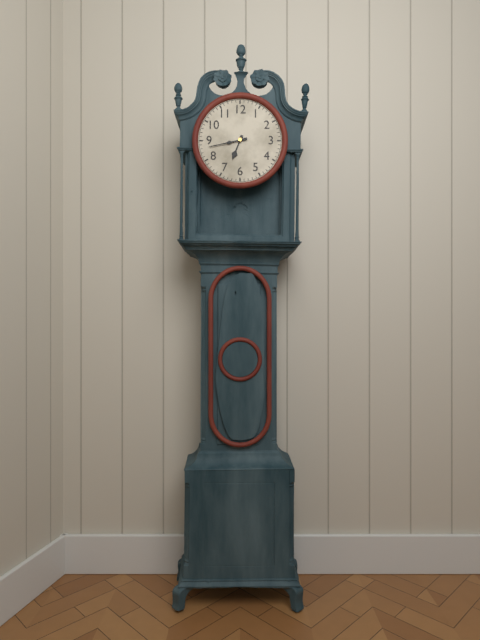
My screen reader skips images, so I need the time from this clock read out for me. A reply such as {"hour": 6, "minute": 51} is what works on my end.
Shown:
{"hour": 6, "minute": 43}
